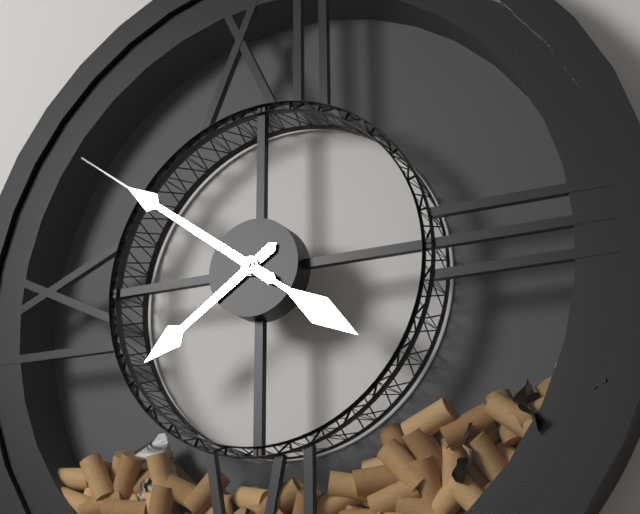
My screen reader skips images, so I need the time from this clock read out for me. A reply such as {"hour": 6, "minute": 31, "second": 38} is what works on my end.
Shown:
{"hour": 7, "minute": 51, "second": 51}
